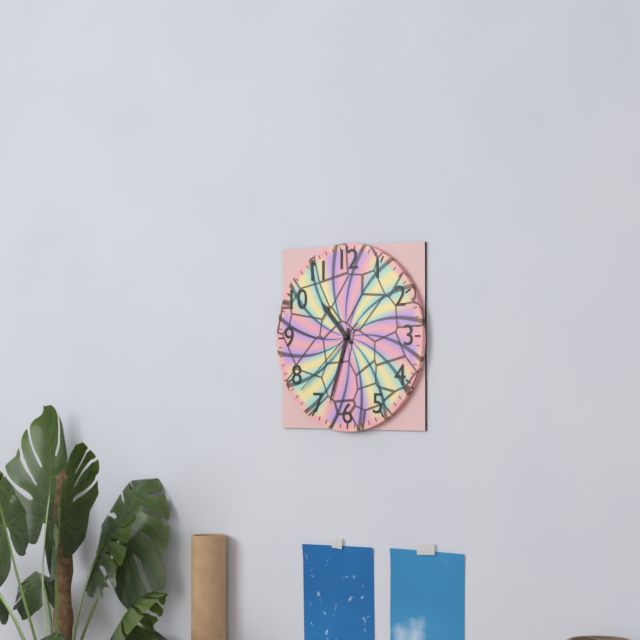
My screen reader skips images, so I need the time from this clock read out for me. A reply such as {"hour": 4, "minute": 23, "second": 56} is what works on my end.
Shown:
{"hour": 10, "minute": 33, "second": 38}
